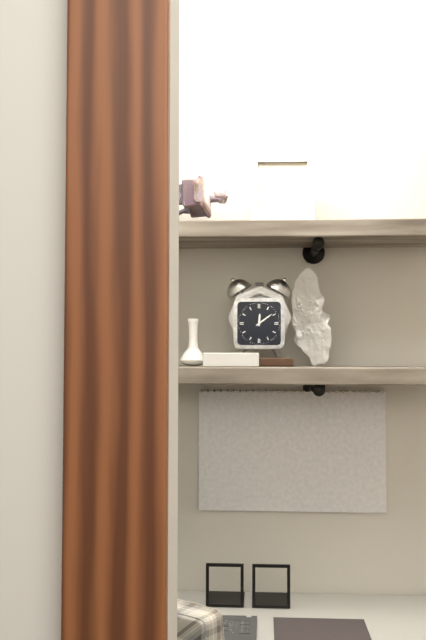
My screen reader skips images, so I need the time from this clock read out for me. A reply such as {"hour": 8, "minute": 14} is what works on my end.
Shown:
{"hour": 12, "minute": 9}
